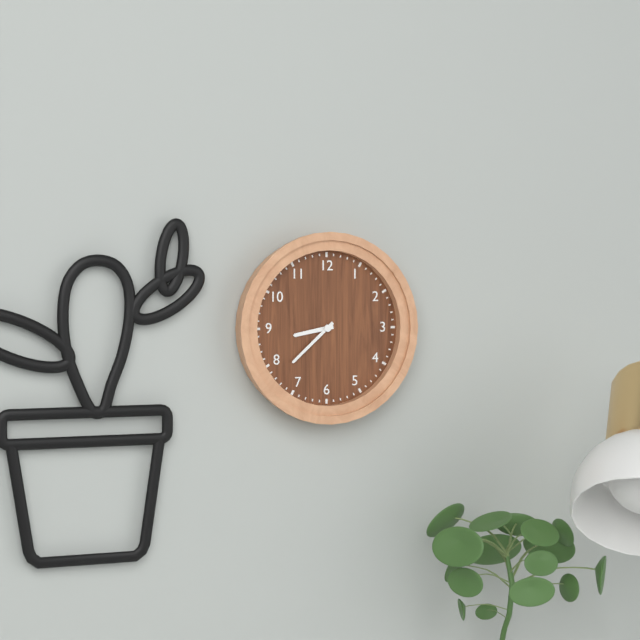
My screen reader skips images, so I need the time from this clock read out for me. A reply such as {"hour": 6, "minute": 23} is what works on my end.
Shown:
{"hour": 8, "minute": 38}
